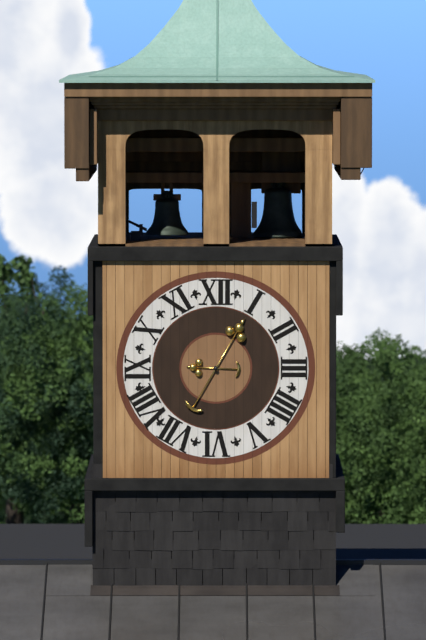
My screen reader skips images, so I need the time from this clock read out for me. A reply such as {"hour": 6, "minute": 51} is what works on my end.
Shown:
{"hour": 9, "minute": 5}
